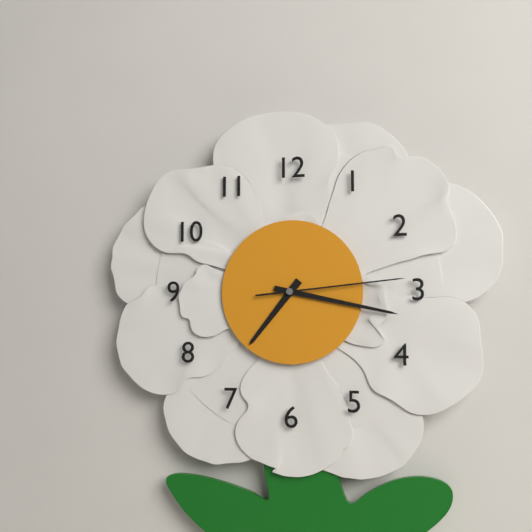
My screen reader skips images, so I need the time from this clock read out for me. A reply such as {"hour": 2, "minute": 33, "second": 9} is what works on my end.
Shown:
{"hour": 7, "minute": 17, "second": 14}
